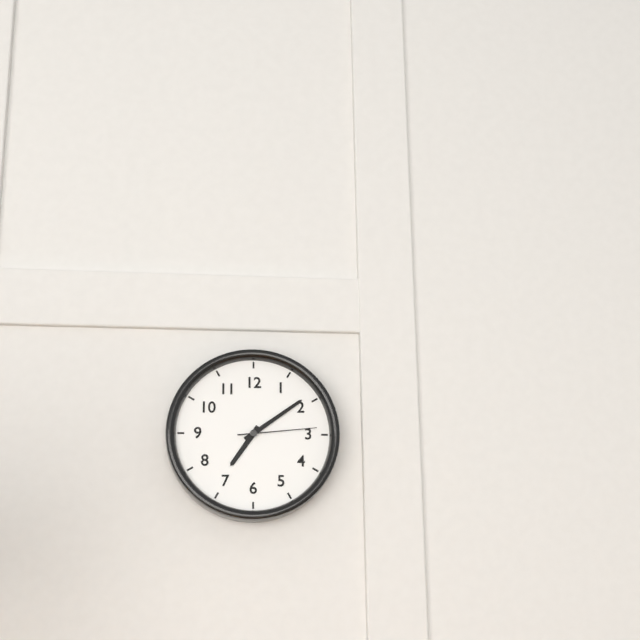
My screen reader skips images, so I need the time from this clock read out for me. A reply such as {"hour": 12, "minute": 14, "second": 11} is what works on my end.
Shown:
{"hour": 7, "minute": 9, "second": 14}
